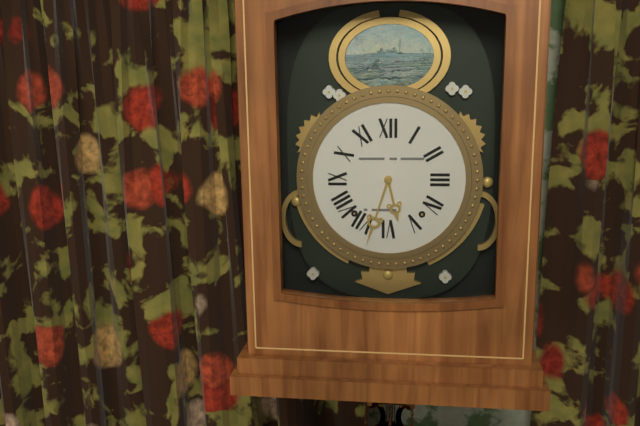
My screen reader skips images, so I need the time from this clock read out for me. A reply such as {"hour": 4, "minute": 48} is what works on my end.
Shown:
{"hour": 5, "minute": 33}
